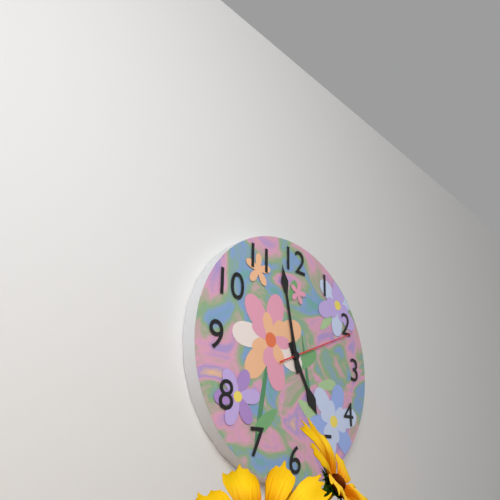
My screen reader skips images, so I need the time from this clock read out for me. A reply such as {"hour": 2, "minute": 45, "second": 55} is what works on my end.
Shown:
{"hour": 4, "minute": 58, "second": 11}
